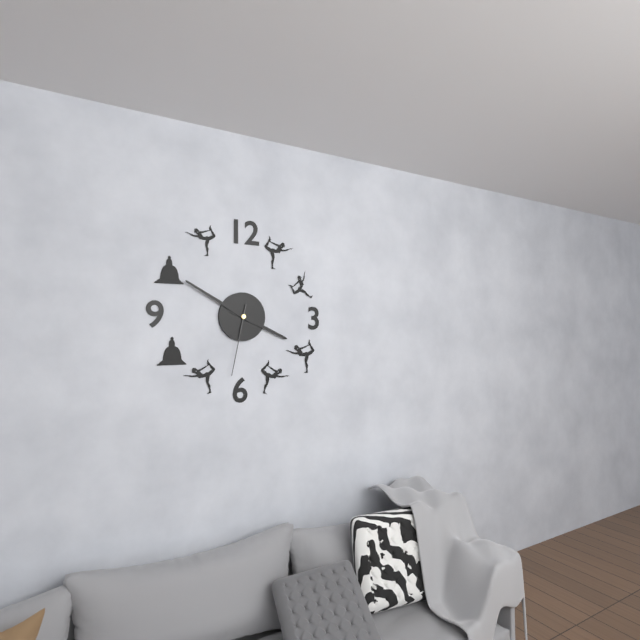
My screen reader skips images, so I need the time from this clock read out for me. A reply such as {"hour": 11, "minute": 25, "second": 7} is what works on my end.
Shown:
{"hour": 3, "minute": 50, "second": 32}
